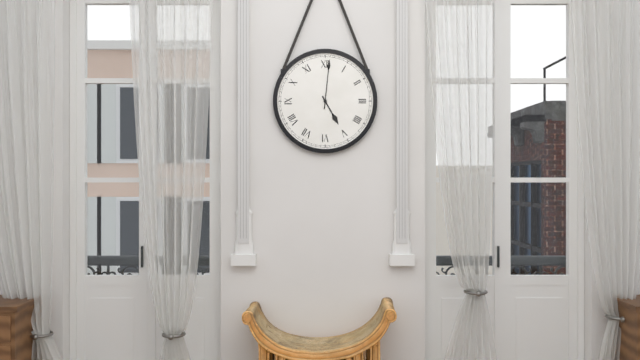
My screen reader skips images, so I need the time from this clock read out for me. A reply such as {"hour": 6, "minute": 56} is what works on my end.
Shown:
{"hour": 5, "minute": 1}
